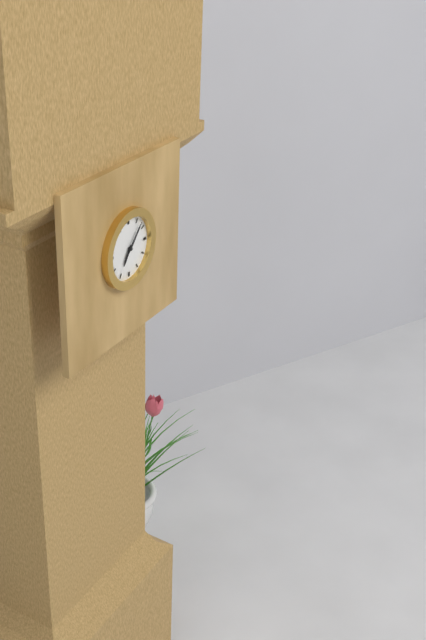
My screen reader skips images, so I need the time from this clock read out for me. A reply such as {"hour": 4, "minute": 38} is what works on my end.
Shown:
{"hour": 7, "minute": 7}
